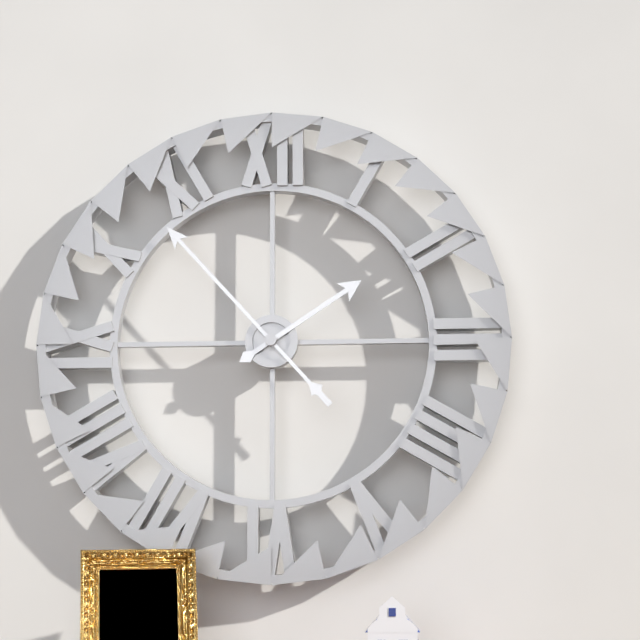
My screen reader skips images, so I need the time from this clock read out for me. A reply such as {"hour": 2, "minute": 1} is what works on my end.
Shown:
{"hour": 1, "minute": 53}
